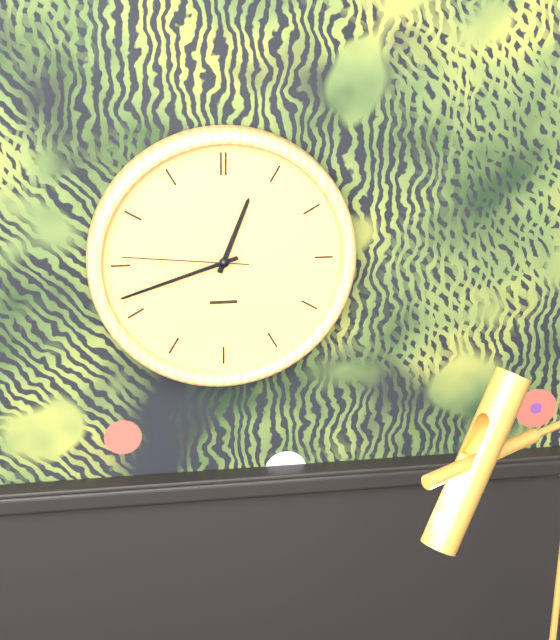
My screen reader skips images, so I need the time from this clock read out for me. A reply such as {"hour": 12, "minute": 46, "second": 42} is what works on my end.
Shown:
{"hour": 12, "minute": 42, "second": 46}
